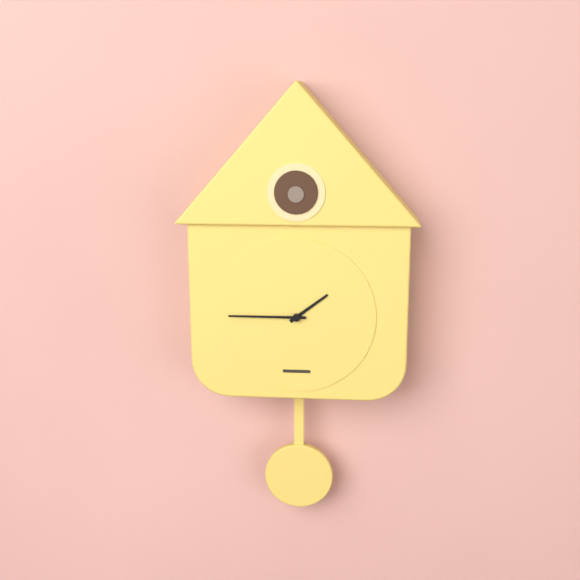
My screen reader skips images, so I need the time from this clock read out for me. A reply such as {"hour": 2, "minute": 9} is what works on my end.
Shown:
{"hour": 1, "minute": 45}
